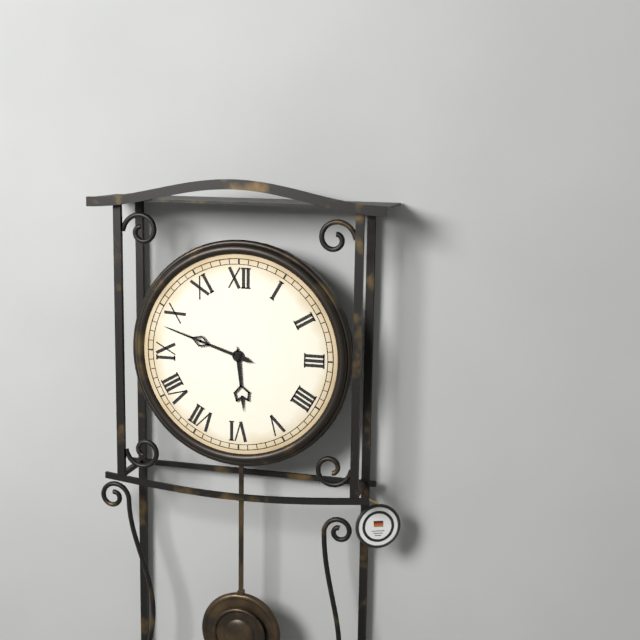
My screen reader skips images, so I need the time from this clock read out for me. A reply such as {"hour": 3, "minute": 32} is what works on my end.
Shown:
{"hour": 5, "minute": 48}
